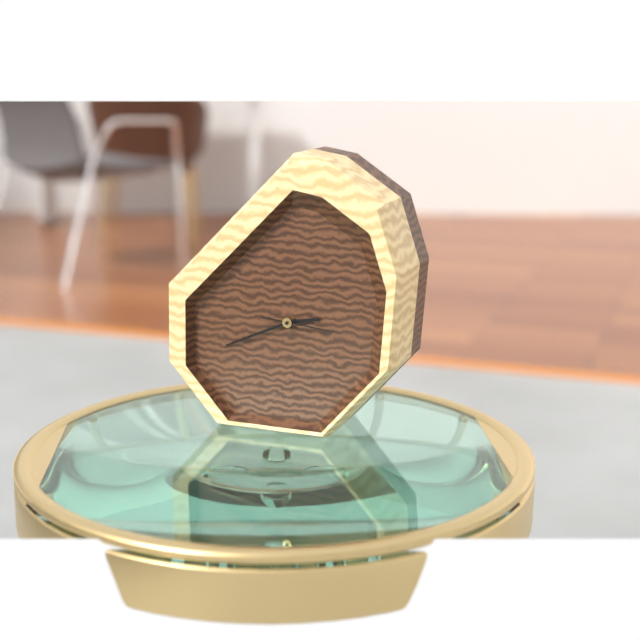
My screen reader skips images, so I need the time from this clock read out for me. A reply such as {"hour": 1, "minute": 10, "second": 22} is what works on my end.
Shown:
{"hour": 2, "minute": 41, "second": 16}
